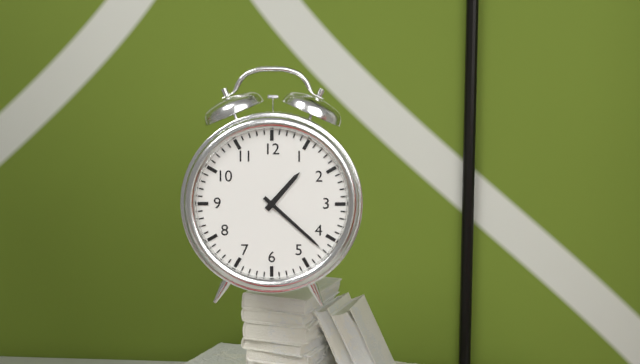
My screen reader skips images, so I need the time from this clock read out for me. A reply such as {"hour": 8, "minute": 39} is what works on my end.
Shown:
{"hour": 1, "minute": 22}
